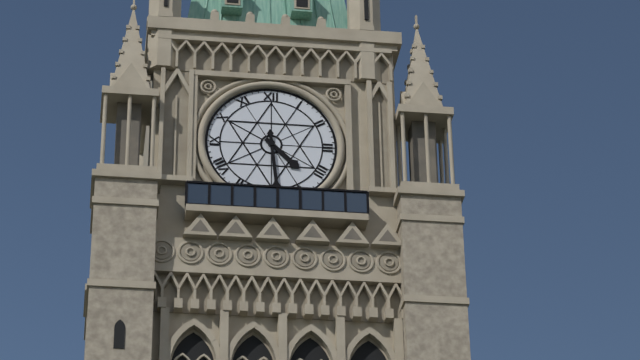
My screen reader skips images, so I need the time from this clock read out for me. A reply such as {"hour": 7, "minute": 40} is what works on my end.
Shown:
{"hour": 4, "minute": 29}
